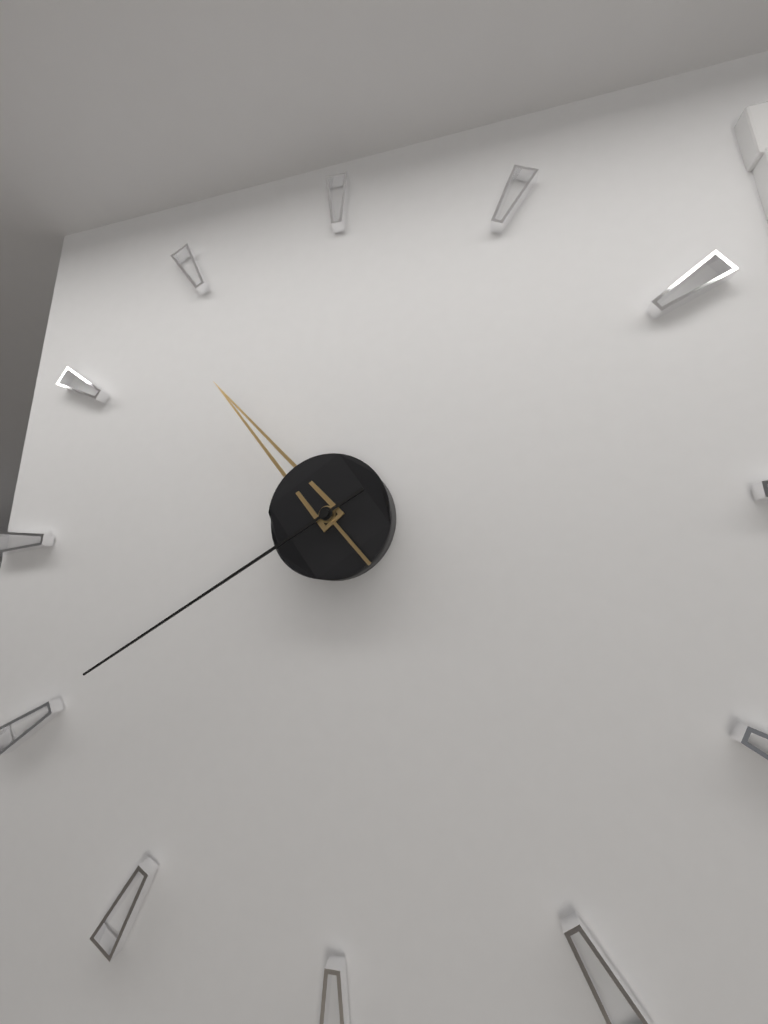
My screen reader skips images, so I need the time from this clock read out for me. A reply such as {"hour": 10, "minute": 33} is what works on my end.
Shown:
{"hour": 10, "minute": 40}
